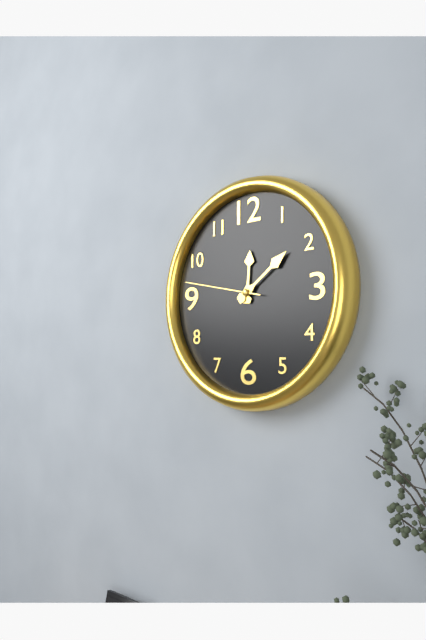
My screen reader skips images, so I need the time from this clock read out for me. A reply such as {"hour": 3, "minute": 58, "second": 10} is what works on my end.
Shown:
{"hour": 12, "minute": 9, "second": 47}
